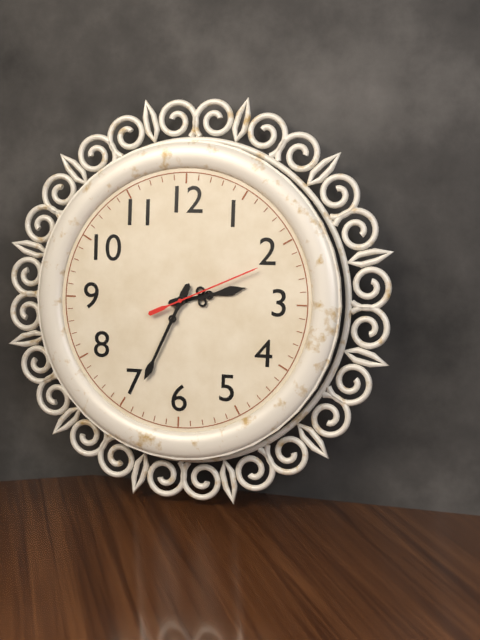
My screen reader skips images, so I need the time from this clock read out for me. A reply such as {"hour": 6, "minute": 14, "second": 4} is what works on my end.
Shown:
{"hour": 2, "minute": 34, "second": 11}
